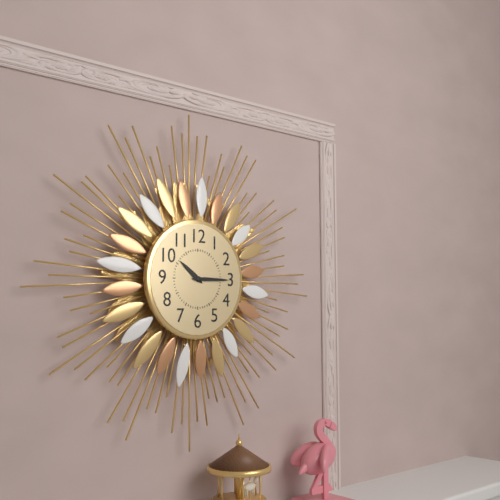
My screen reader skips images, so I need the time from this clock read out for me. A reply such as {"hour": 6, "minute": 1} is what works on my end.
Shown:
{"hour": 10, "minute": 15}
